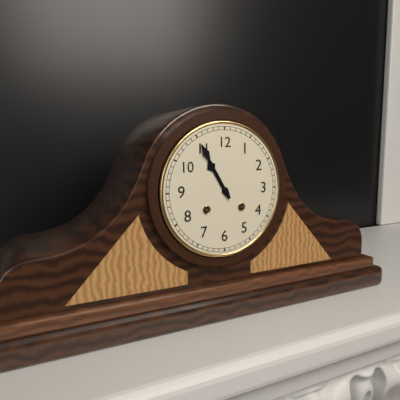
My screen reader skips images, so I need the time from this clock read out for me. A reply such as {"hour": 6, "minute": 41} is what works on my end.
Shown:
{"hour": 10, "minute": 55}
